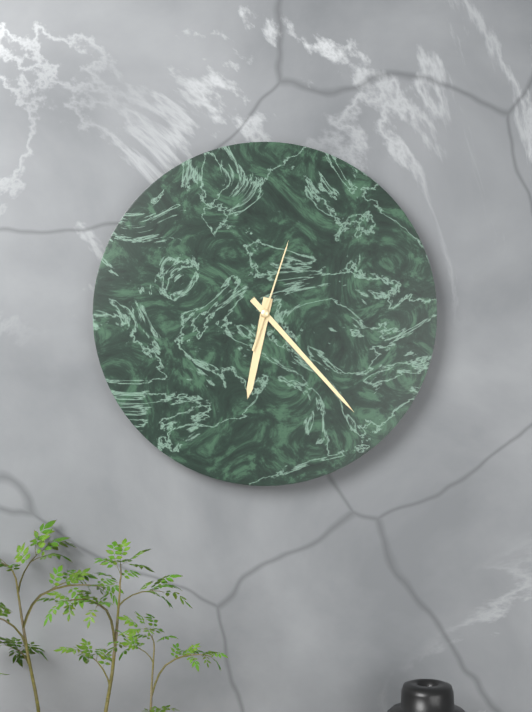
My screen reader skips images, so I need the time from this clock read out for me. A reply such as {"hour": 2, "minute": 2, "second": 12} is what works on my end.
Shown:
{"hour": 6, "minute": 23, "second": 3}
